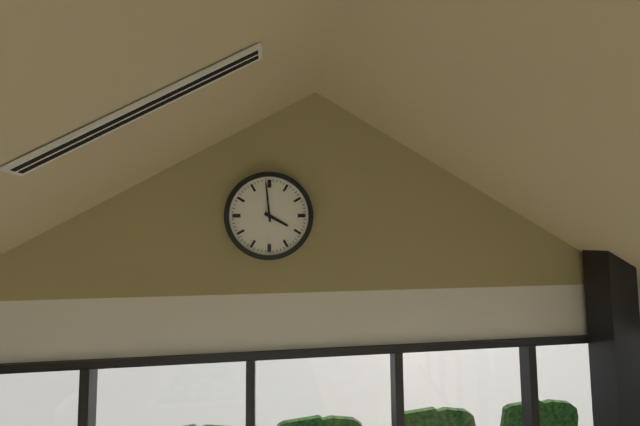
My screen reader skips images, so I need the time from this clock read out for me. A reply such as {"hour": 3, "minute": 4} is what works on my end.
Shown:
{"hour": 3, "minute": 59}
